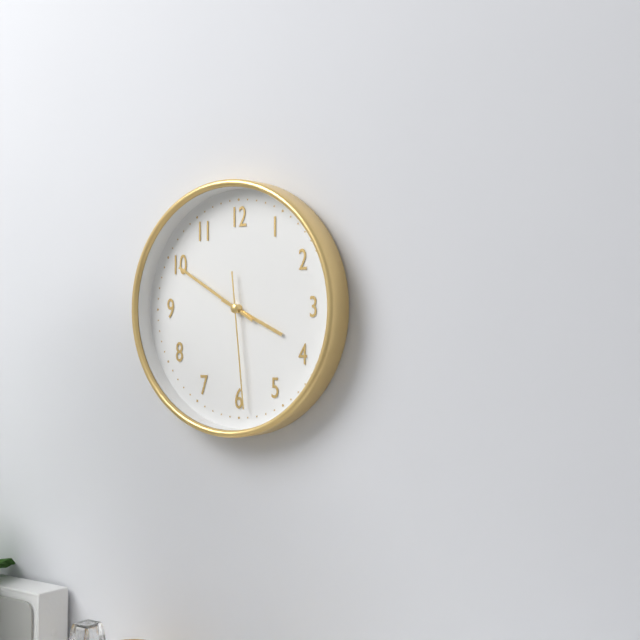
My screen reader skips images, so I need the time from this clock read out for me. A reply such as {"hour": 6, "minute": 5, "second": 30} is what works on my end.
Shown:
{"hour": 3, "minute": 50, "second": 29}
